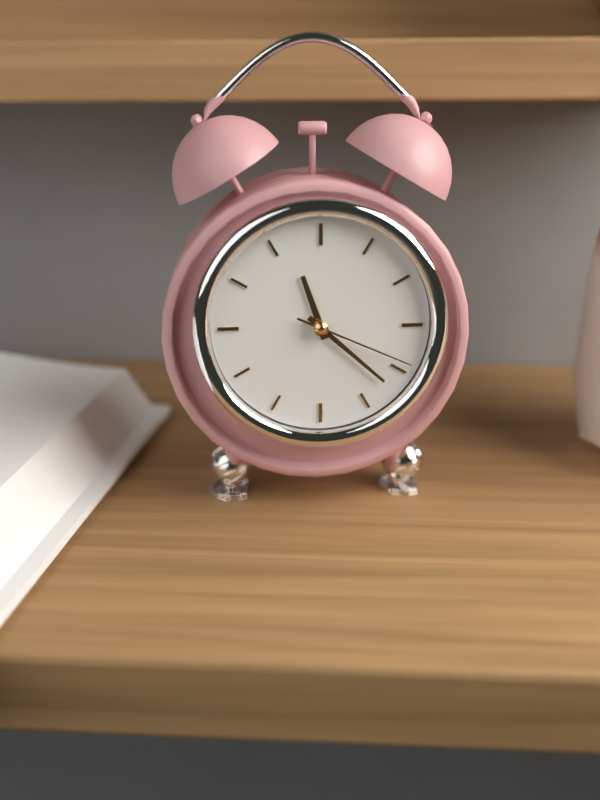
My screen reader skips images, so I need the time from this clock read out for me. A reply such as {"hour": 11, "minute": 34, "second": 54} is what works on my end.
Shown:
{"hour": 11, "minute": 22, "second": 19}
